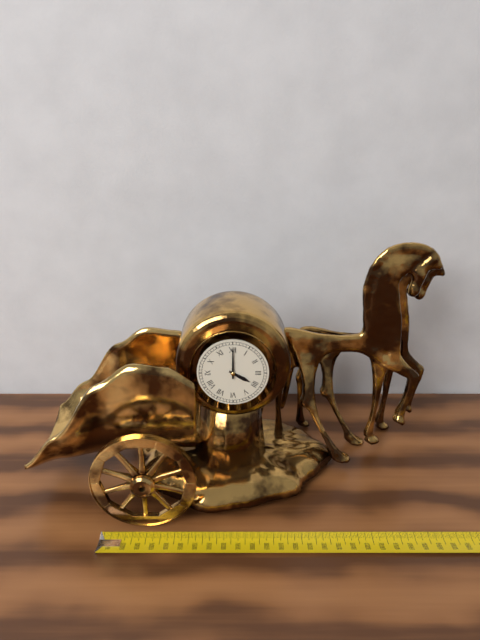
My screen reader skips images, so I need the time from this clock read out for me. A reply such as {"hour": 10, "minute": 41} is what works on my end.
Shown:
{"hour": 4, "minute": 0}
